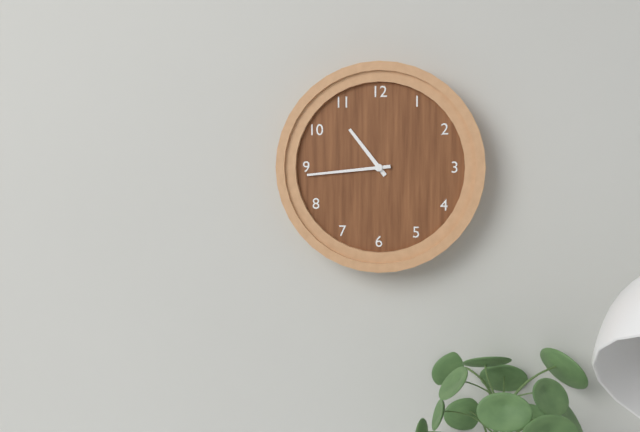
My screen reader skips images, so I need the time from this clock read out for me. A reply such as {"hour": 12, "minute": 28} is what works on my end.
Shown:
{"hour": 10, "minute": 44}
